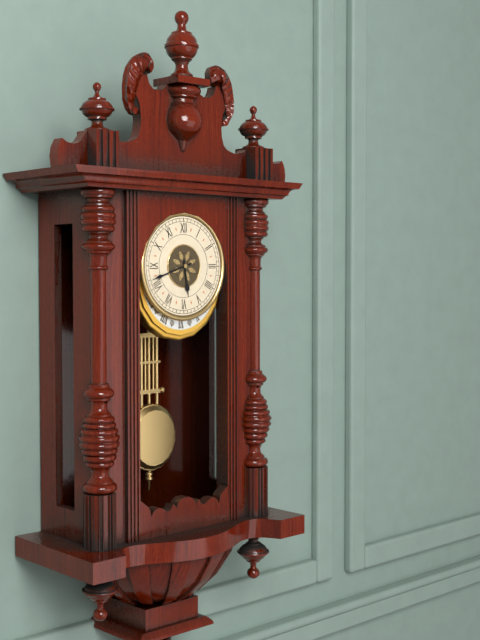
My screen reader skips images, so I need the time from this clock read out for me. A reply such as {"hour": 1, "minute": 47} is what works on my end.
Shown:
{"hour": 5, "minute": 42}
